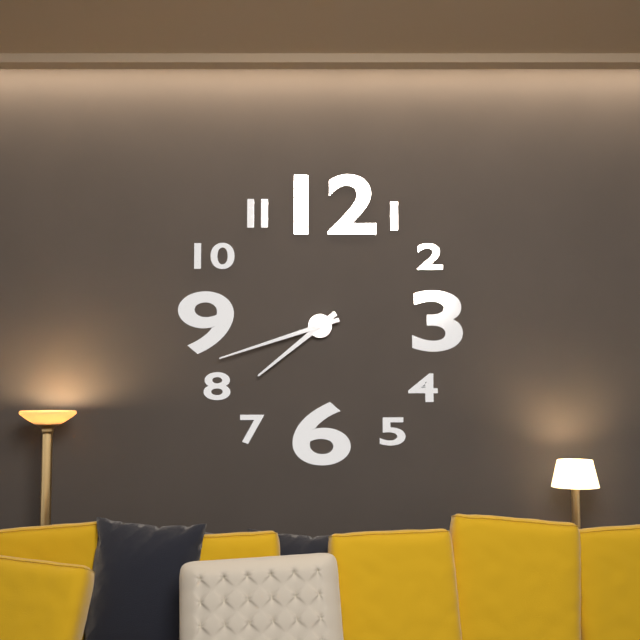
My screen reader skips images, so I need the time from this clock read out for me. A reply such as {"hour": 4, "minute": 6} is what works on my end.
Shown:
{"hour": 7, "minute": 42}
